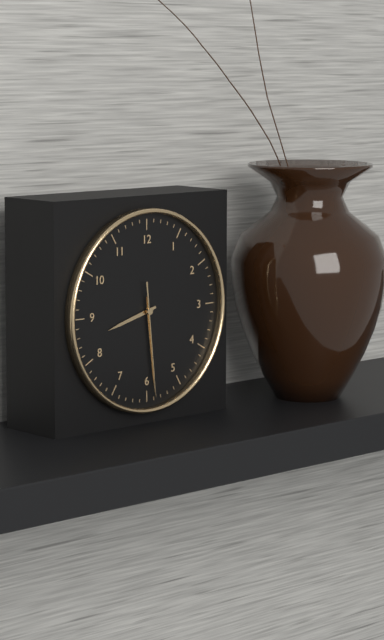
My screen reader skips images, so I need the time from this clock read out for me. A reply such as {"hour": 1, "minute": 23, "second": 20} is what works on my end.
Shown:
{"hour": 8, "minute": 29, "second": 29}
